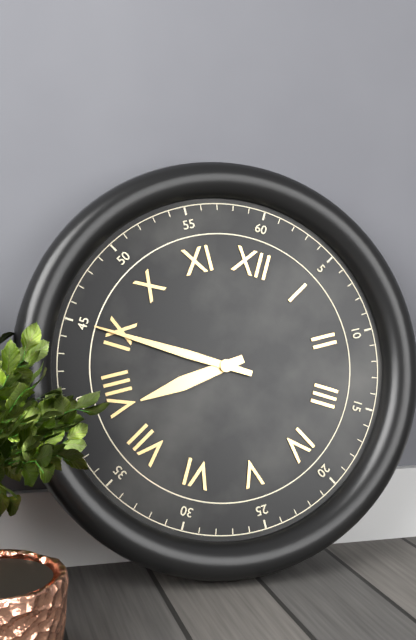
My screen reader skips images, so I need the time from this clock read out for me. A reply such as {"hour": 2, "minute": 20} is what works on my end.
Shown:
{"hour": 7, "minute": 45}
